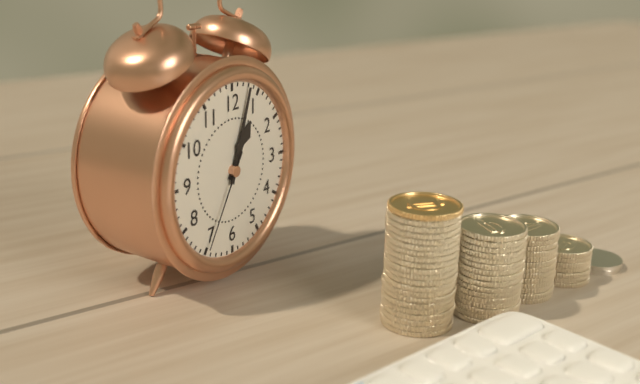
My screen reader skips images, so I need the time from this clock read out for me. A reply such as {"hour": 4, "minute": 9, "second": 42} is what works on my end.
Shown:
{"hour": 1, "minute": 3, "second": 35}
